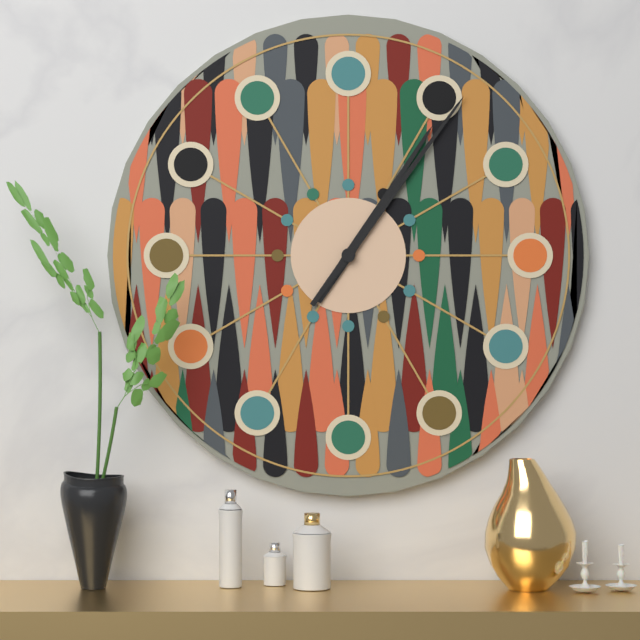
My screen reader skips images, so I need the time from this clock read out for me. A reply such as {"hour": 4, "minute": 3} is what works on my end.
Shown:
{"hour": 1, "minute": 6}
